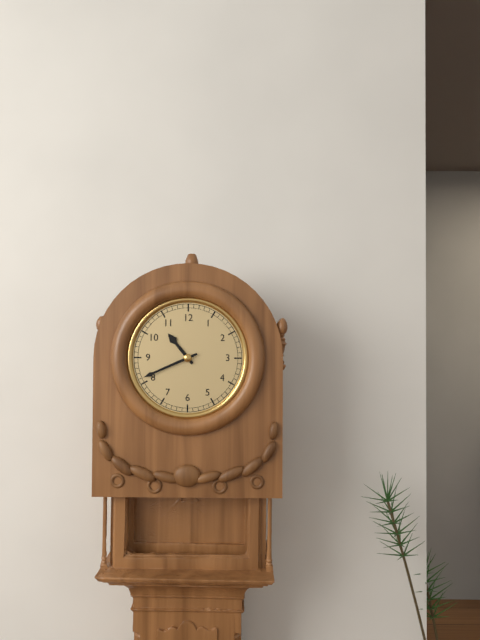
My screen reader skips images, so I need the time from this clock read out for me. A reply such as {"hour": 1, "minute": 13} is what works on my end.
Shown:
{"hour": 10, "minute": 41}
